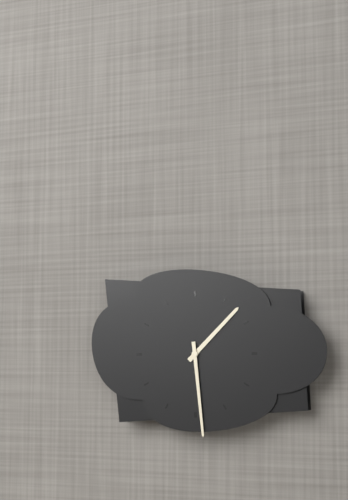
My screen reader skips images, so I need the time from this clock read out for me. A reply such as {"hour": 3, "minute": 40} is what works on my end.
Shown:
{"hour": 1, "minute": 29}
